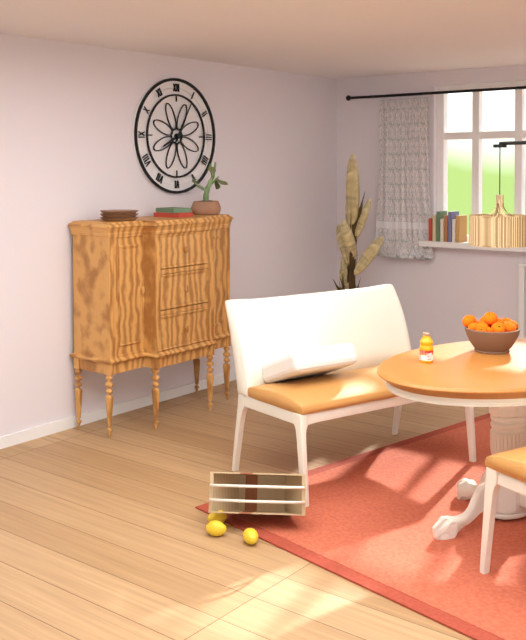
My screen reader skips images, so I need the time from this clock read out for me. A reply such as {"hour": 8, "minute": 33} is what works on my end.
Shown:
{"hour": 8, "minute": 5}
